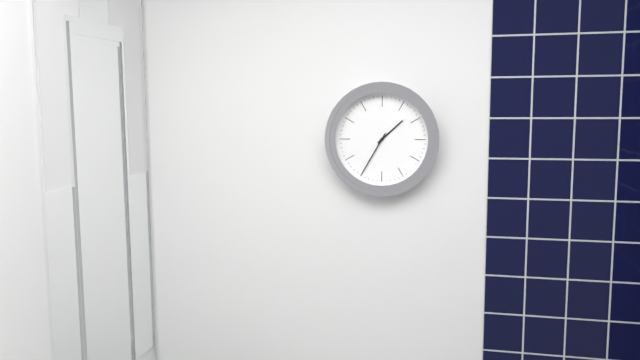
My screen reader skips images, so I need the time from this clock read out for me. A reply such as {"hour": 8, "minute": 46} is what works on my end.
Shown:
{"hour": 1, "minute": 35}
